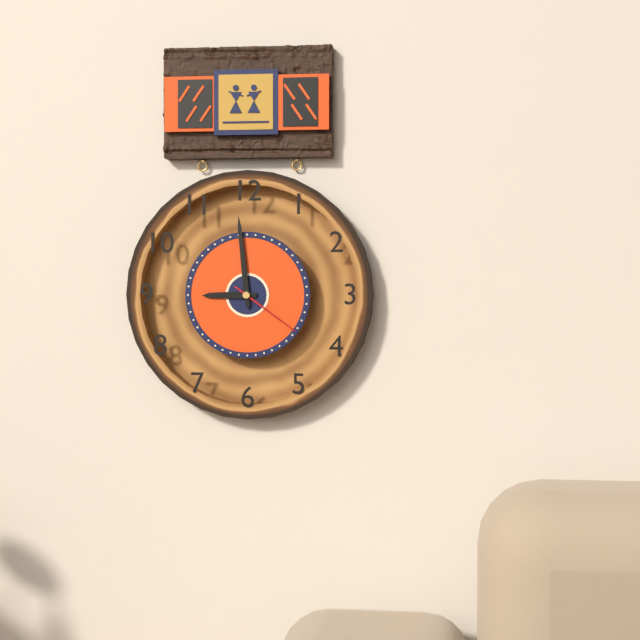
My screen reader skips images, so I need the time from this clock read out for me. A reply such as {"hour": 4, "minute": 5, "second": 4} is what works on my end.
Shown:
{"hour": 8, "minute": 59, "second": 21}
